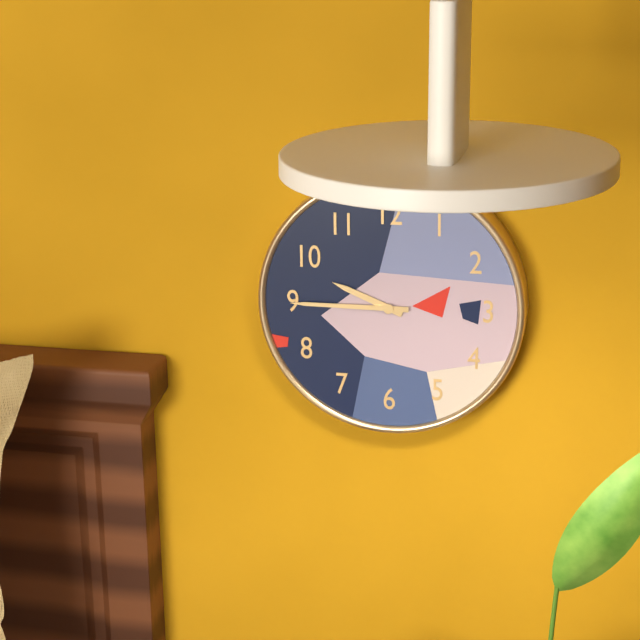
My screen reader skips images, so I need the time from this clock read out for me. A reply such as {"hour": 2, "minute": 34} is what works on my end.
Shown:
{"hour": 9, "minute": 45}
